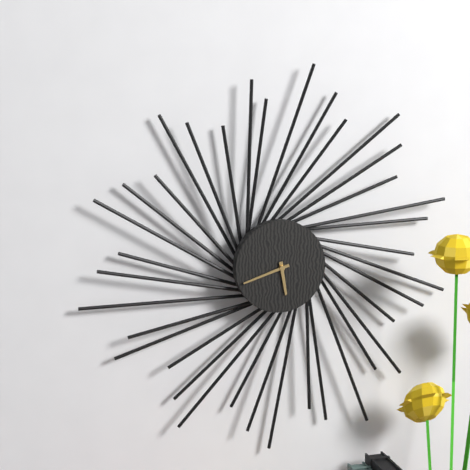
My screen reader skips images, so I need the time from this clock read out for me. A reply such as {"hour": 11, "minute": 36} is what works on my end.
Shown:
{"hour": 5, "minute": 42}
